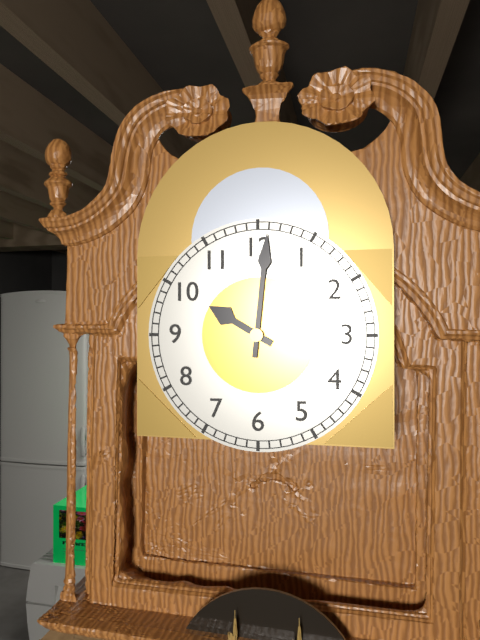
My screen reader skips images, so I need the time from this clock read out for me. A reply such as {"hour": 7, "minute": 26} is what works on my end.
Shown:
{"hour": 10, "minute": 1}
